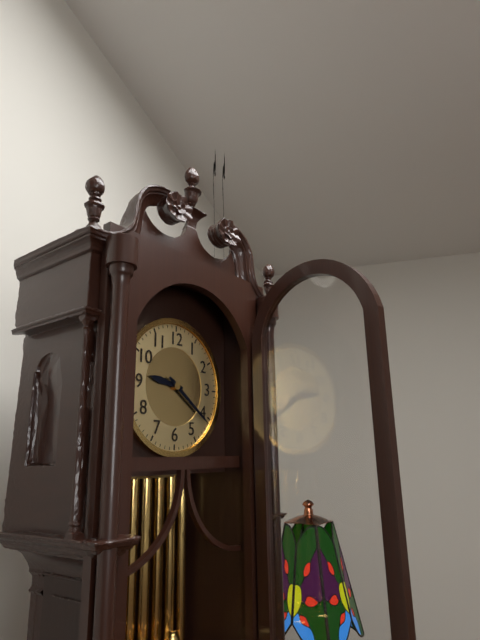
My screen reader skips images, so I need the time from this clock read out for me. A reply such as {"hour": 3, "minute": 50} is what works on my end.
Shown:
{"hour": 9, "minute": 21}
